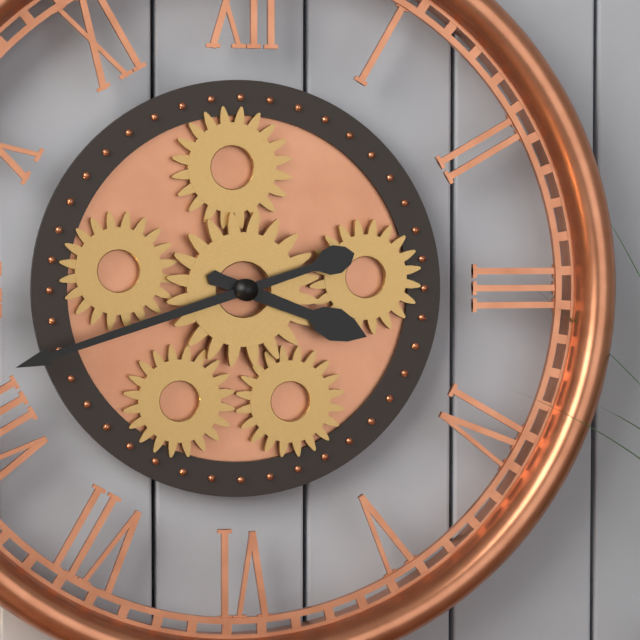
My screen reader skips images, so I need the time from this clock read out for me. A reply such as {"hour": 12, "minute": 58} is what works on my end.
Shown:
{"hour": 3, "minute": 42}
